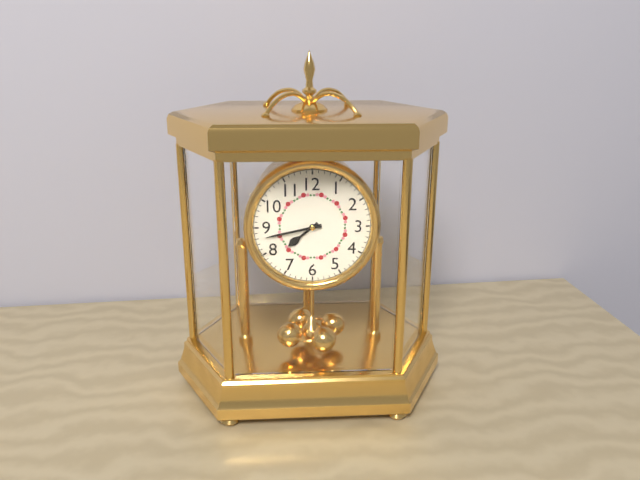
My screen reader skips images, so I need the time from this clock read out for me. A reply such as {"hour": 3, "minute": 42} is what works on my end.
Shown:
{"hour": 7, "minute": 43}
